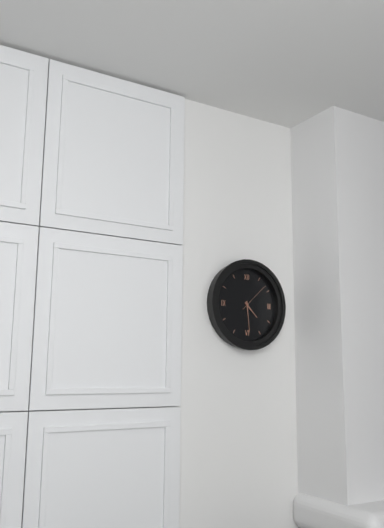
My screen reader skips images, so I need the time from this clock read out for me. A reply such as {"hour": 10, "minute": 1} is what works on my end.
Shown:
{"hour": 4, "minute": 29}
